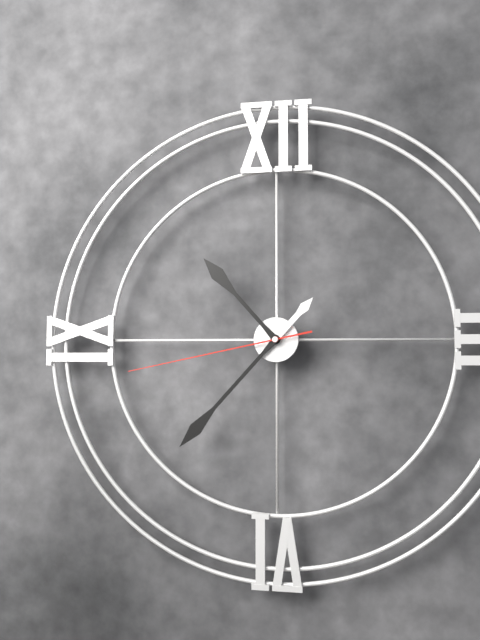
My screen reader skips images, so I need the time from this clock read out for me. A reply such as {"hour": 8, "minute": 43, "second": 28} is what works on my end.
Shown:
{"hour": 10, "minute": 37, "second": 43}
